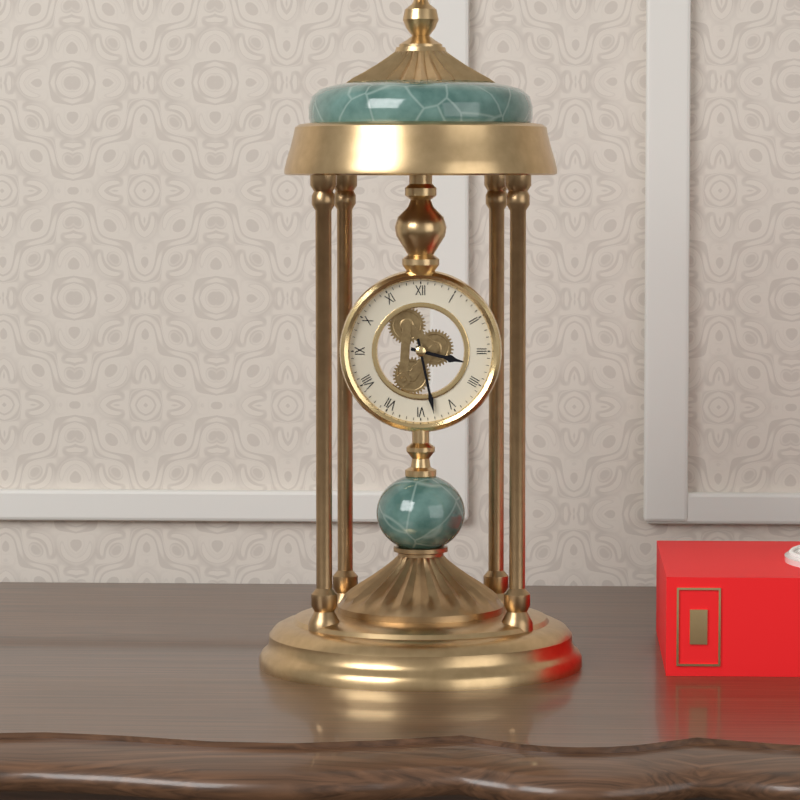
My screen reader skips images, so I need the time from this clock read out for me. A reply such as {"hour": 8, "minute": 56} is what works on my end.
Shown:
{"hour": 3, "minute": 28}
